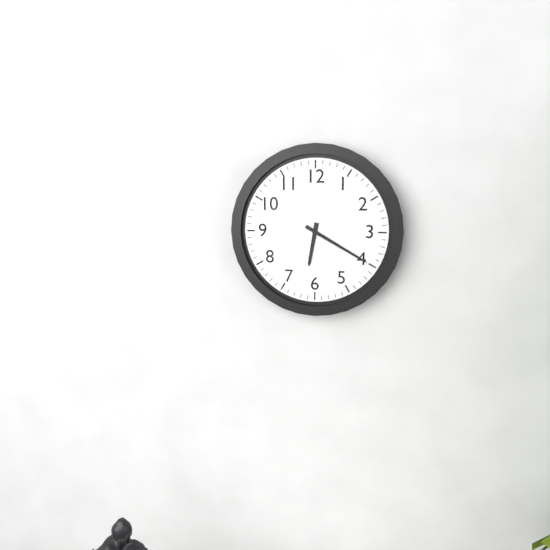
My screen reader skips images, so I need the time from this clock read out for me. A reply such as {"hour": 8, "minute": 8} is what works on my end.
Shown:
{"hour": 6, "minute": 20}
